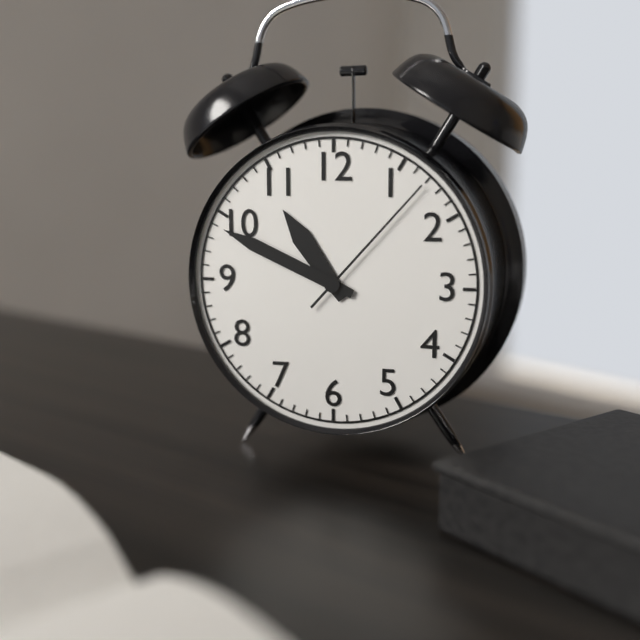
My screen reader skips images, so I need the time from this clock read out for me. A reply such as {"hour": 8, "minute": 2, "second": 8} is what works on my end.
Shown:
{"hour": 10, "minute": 49, "second": 7}
